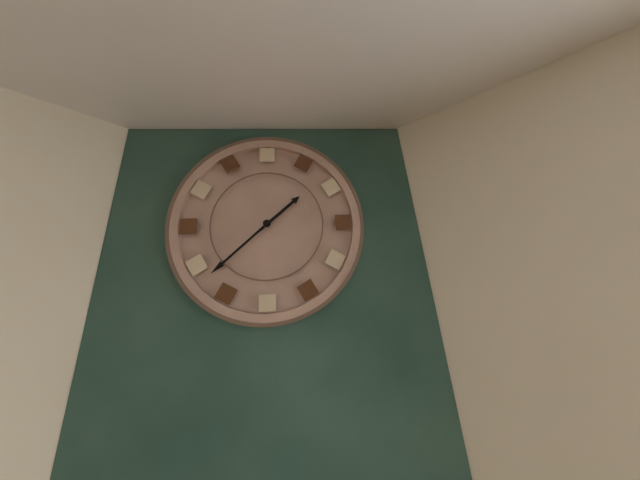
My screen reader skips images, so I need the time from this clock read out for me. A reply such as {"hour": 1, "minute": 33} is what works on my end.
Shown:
{"hour": 1, "minute": 38}
